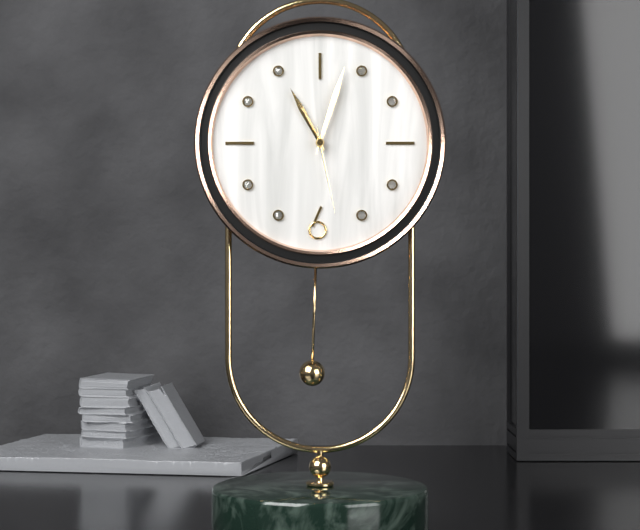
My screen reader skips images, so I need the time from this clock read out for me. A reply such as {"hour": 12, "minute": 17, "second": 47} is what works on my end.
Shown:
{"hour": 11, "minute": 3, "second": 28}
